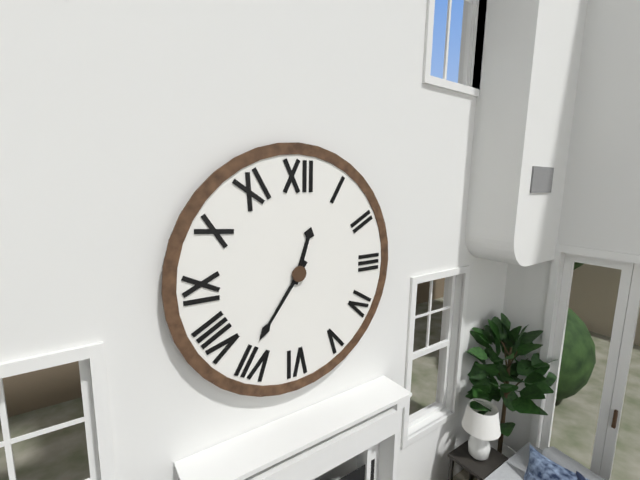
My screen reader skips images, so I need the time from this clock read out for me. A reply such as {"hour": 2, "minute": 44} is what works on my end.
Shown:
{"hour": 12, "minute": 36}
